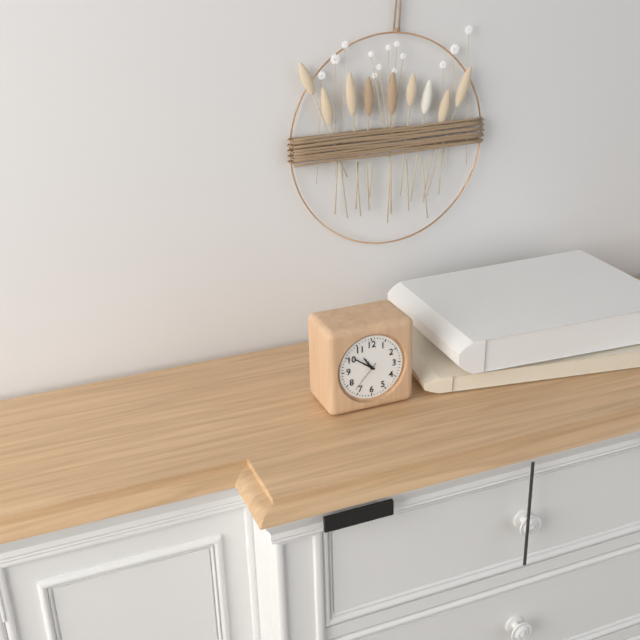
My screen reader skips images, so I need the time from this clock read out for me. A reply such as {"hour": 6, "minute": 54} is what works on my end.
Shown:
{"hour": 10, "minute": 51}
